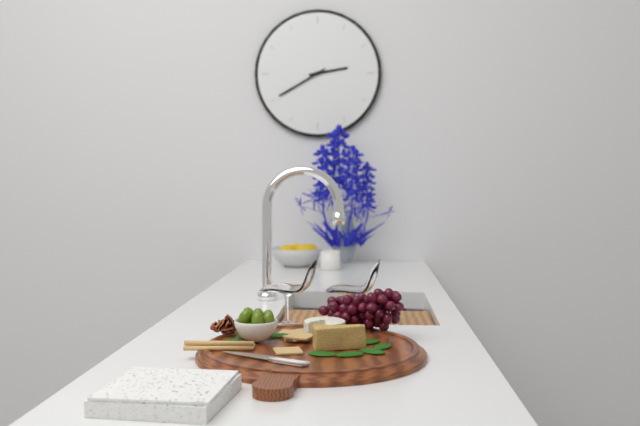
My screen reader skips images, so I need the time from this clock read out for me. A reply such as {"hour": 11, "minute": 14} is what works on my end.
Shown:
{"hour": 2, "minute": 40}
